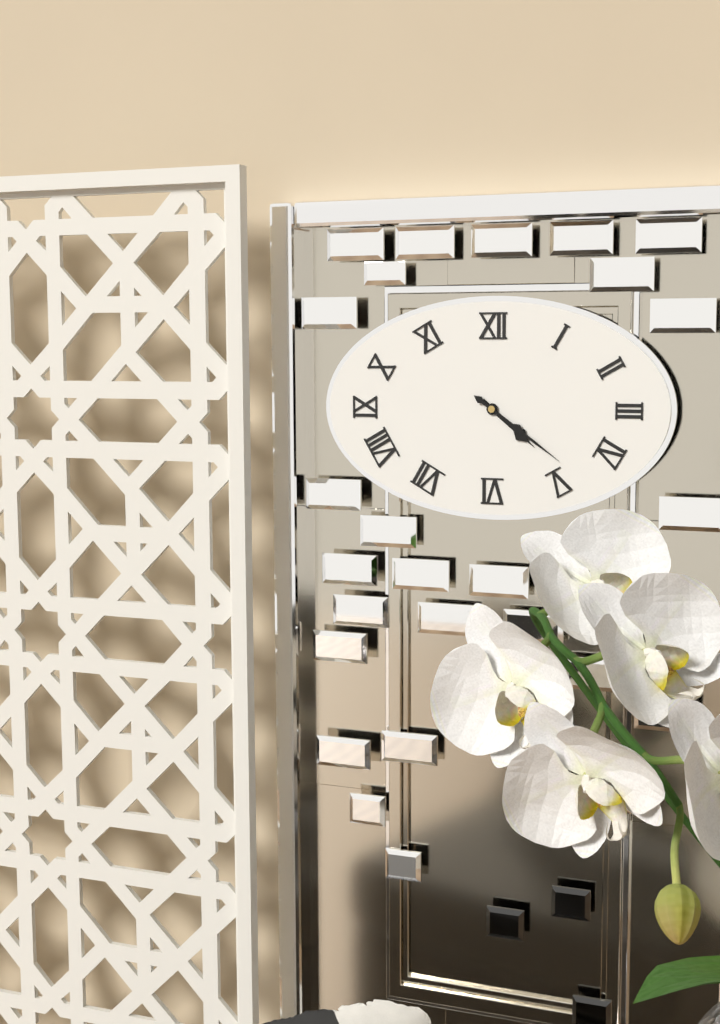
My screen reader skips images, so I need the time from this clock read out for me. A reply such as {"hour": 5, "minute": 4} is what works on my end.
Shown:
{"hour": 4, "minute": 21}
